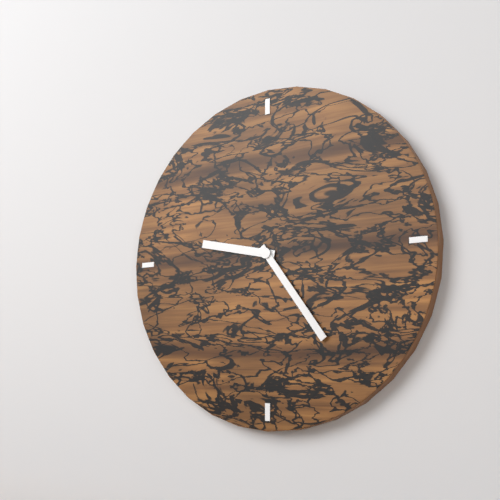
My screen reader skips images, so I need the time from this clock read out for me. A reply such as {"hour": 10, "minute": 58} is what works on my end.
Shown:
{"hour": 9, "minute": 24}
